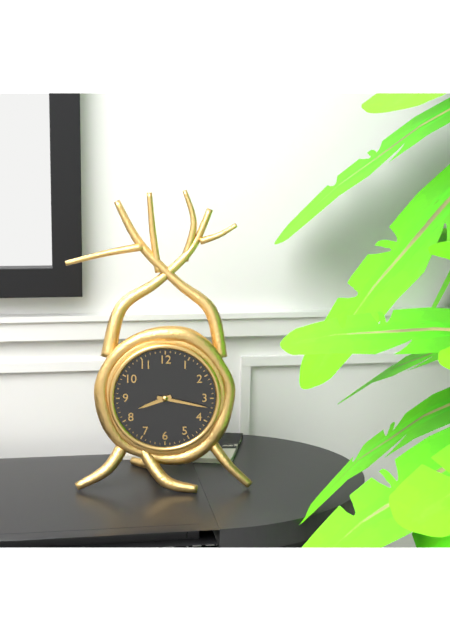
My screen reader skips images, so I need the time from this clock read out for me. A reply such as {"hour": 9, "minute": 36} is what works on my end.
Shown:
{"hour": 8, "minute": 17}
